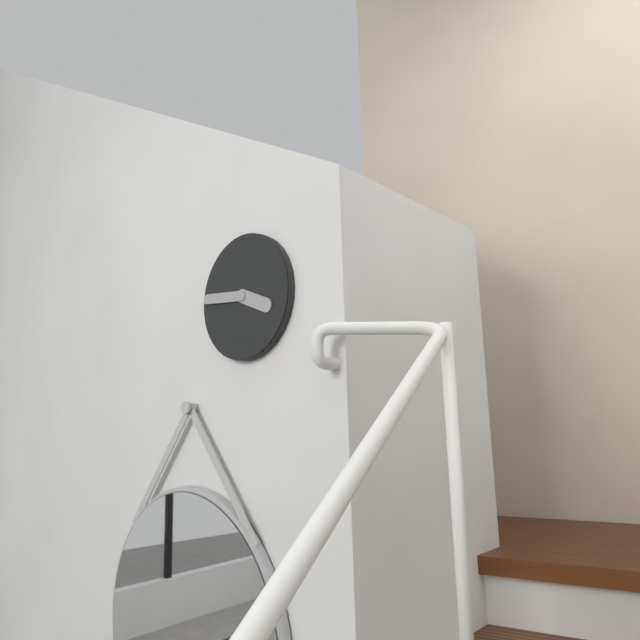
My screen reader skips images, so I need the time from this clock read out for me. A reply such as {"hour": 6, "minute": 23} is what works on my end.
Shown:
{"hour": 3, "minute": 46}
